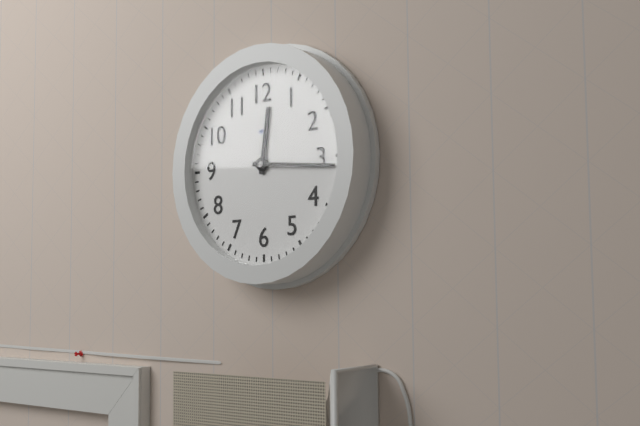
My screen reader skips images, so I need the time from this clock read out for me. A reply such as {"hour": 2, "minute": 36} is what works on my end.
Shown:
{"hour": 12, "minute": 16}
